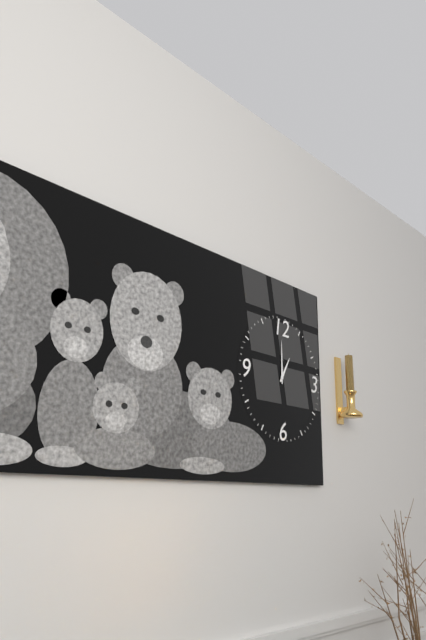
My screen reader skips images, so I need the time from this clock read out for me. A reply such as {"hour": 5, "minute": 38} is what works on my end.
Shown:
{"hour": 1, "minute": 0}
